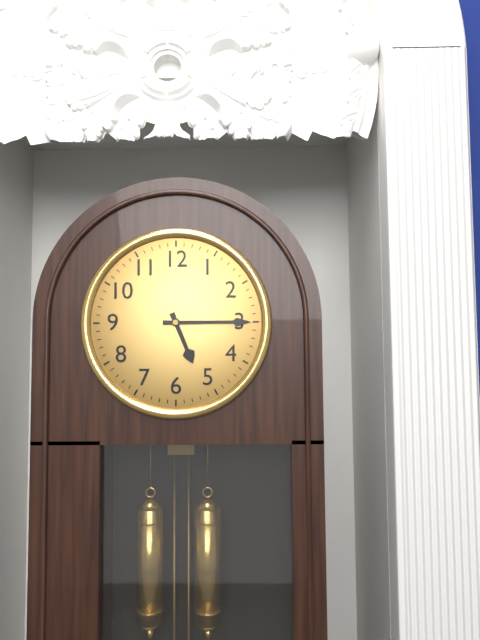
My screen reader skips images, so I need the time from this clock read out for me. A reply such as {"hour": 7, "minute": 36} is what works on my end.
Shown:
{"hour": 5, "minute": 15}
